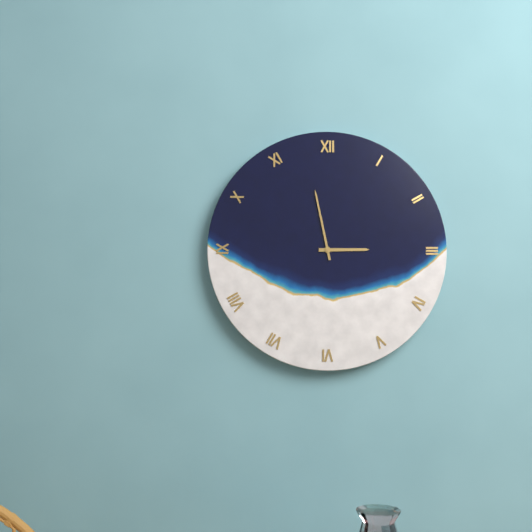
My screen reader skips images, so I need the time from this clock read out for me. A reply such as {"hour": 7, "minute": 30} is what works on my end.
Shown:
{"hour": 2, "minute": 58}
